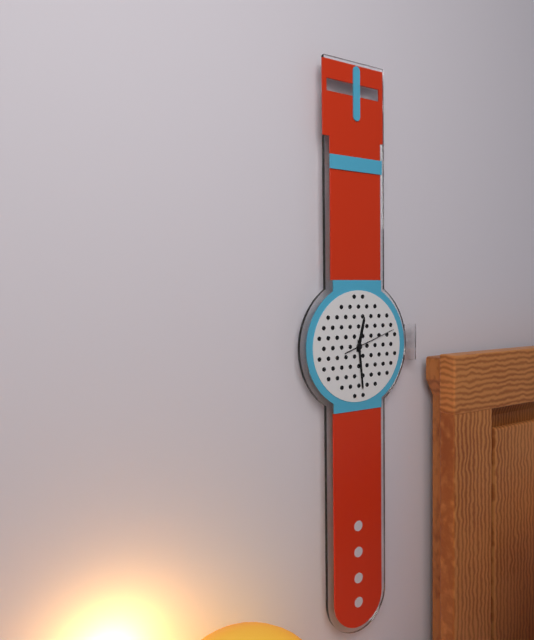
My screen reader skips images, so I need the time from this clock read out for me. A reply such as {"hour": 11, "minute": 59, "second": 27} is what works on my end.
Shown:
{"hour": 12, "minute": 29, "second": 12}
